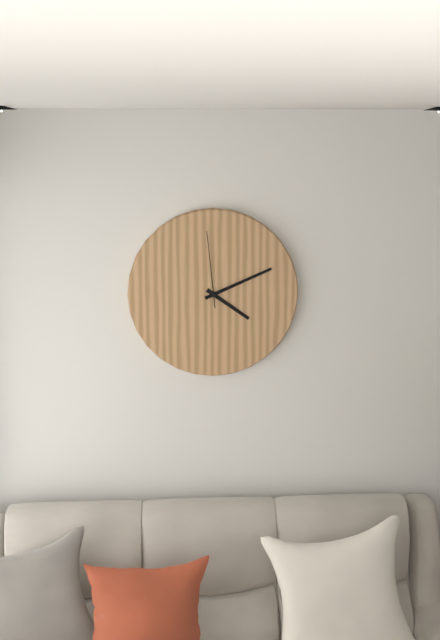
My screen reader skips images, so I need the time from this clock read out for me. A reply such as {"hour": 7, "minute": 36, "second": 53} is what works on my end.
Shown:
{"hour": 4, "minute": 11, "second": 59}
